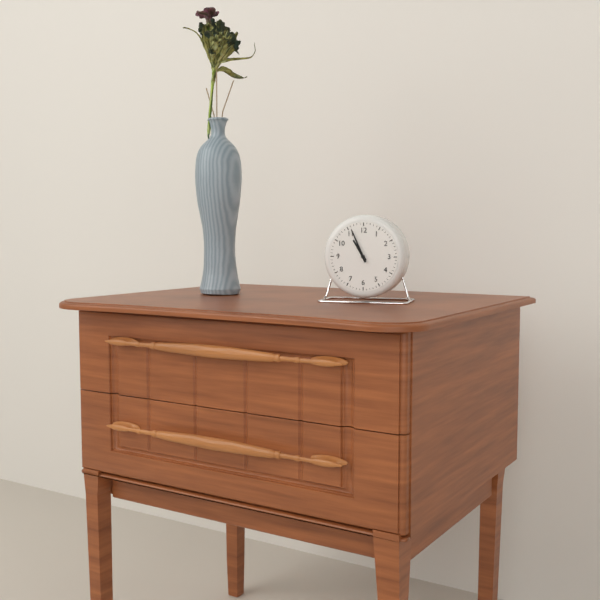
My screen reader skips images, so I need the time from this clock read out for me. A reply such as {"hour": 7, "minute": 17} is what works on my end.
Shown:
{"hour": 10, "minute": 56}
